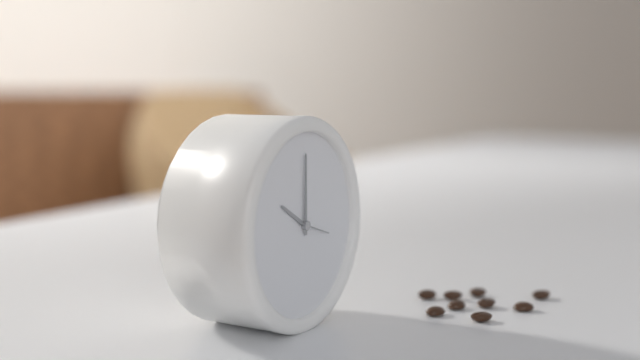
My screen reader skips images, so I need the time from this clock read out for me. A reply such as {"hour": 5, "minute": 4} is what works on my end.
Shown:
{"hour": 10, "minute": 0}
